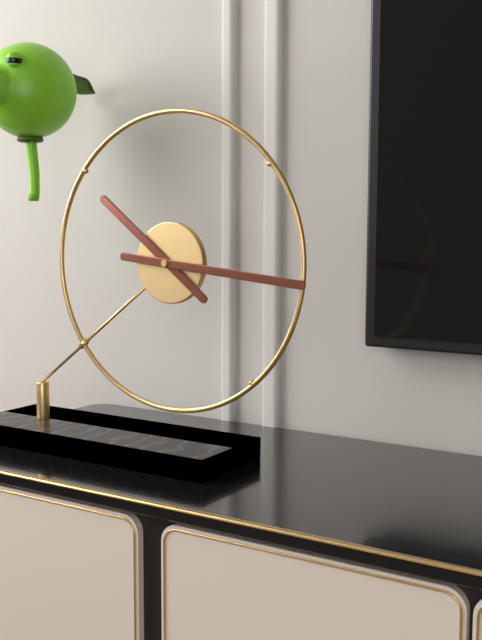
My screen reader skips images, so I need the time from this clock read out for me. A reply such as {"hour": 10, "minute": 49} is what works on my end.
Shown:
{"hour": 10, "minute": 16}
